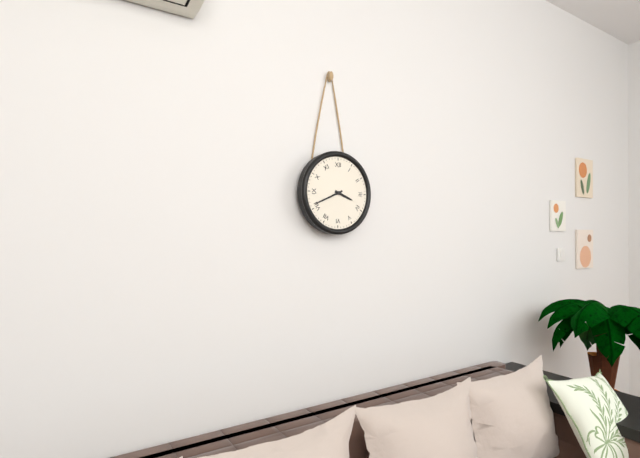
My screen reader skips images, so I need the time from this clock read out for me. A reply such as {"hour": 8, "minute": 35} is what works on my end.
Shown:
{"hour": 3, "minute": 41}
